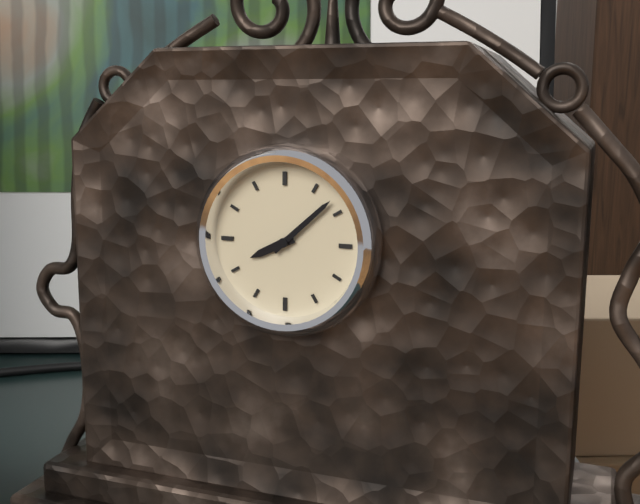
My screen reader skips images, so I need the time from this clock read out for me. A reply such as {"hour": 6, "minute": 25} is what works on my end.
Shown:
{"hour": 8, "minute": 8}
